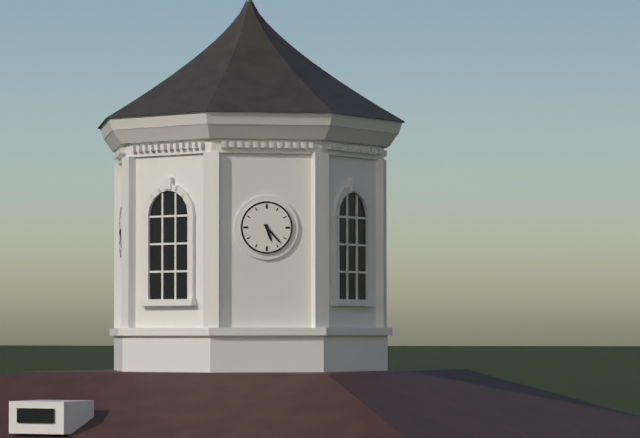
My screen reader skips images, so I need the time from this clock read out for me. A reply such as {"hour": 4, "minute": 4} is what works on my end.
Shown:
{"hour": 5, "minute": 23}
